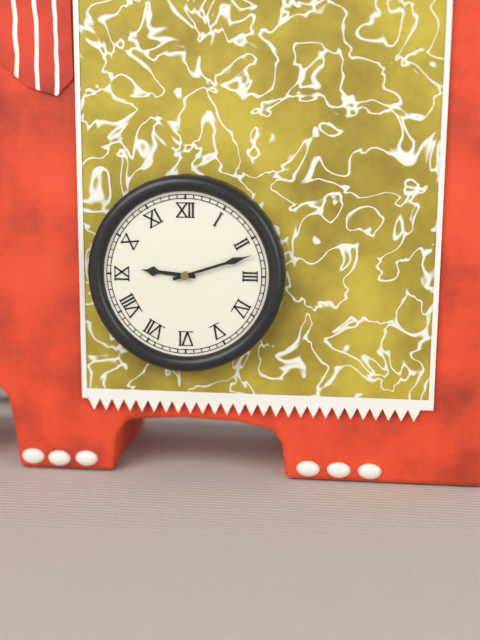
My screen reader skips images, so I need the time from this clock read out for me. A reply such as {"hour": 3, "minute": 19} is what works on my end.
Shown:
{"hour": 9, "minute": 12}
